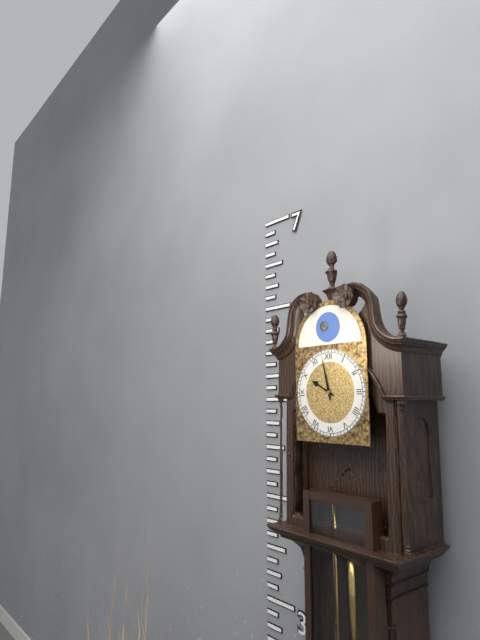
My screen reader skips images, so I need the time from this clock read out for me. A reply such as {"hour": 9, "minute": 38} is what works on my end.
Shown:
{"hour": 9, "minute": 58}
